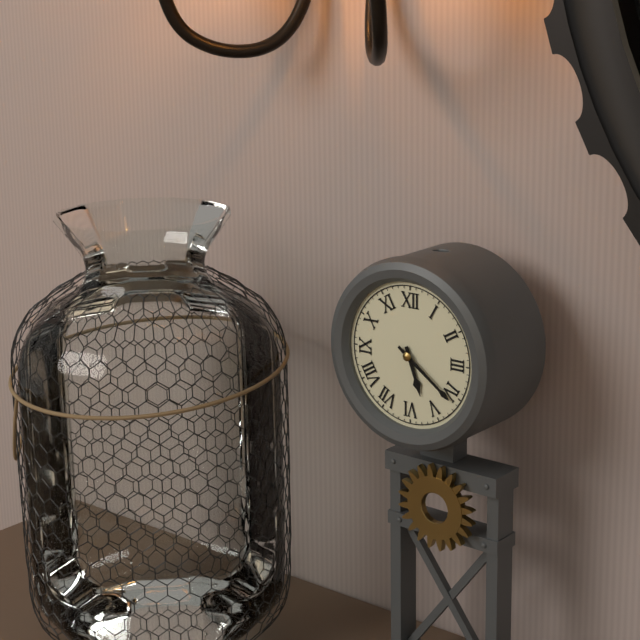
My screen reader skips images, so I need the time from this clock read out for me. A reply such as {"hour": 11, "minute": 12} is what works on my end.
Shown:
{"hour": 5, "minute": 21}
